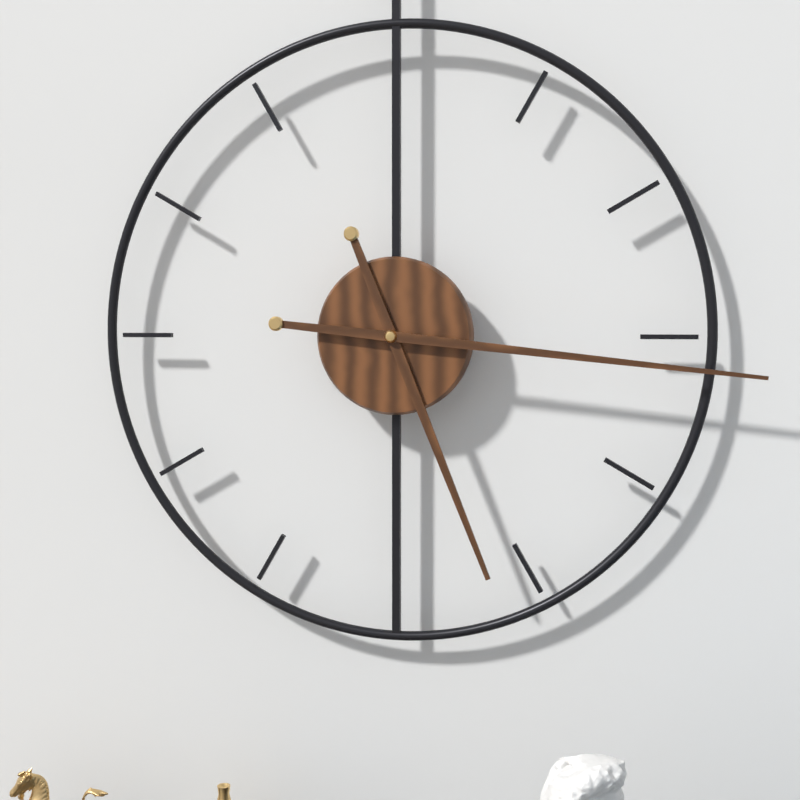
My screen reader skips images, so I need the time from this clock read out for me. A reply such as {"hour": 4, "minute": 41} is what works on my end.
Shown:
{"hour": 5, "minute": 16}
